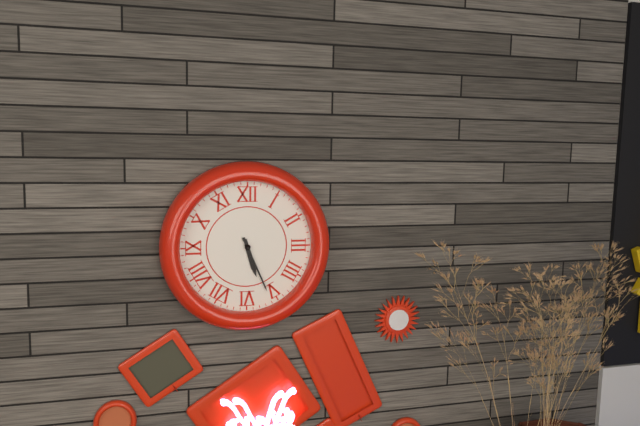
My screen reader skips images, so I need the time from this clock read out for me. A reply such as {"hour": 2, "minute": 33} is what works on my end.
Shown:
{"hour": 5, "minute": 26}
